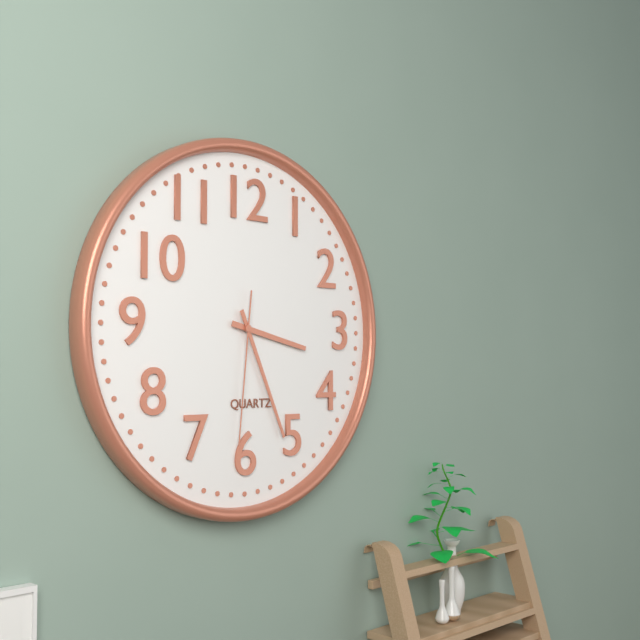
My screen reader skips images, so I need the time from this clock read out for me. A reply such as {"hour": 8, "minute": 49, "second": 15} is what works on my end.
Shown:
{"hour": 3, "minute": 26, "second": 31}
